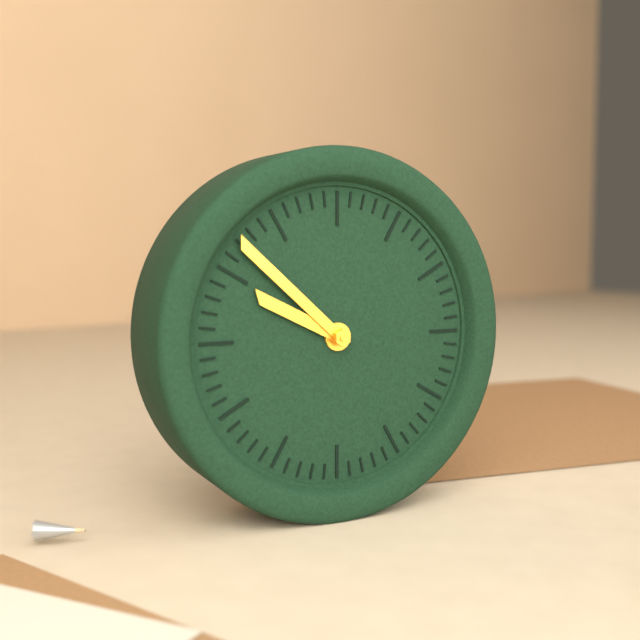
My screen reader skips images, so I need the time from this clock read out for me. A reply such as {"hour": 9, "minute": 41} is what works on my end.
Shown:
{"hour": 9, "minute": 52}
